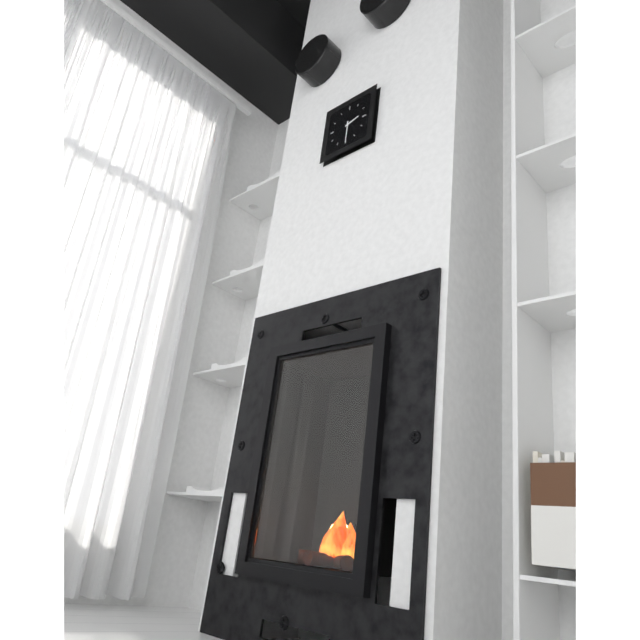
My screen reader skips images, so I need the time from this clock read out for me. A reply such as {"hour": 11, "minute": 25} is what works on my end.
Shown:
{"hour": 2, "minute": 30}
